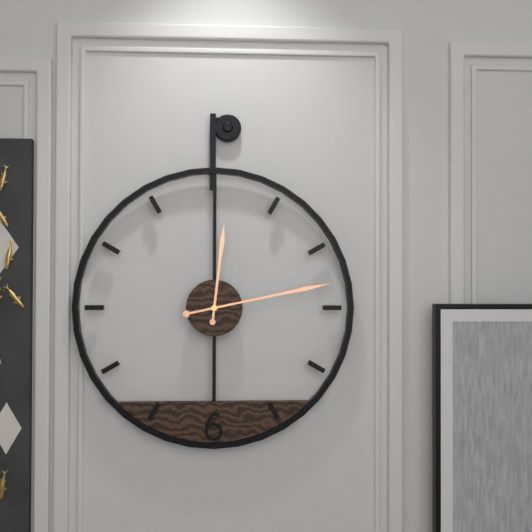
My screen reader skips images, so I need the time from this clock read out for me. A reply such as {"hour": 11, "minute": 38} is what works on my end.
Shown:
{"hour": 12, "minute": 13}
